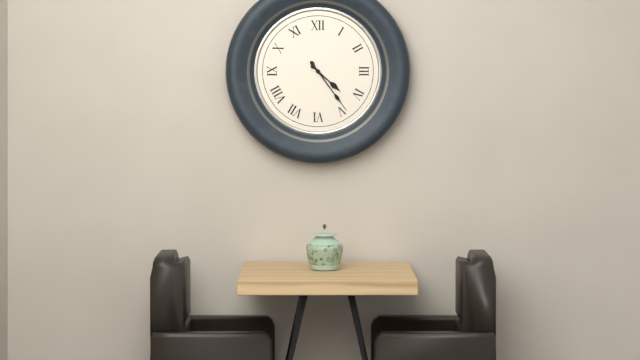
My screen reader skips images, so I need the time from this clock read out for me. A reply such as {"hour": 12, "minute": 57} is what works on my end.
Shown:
{"hour": 4, "minute": 24}
